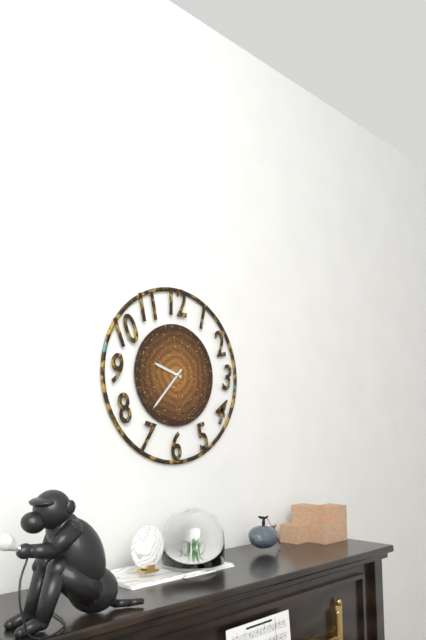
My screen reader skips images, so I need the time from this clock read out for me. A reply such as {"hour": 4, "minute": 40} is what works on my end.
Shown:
{"hour": 9, "minute": 37}
